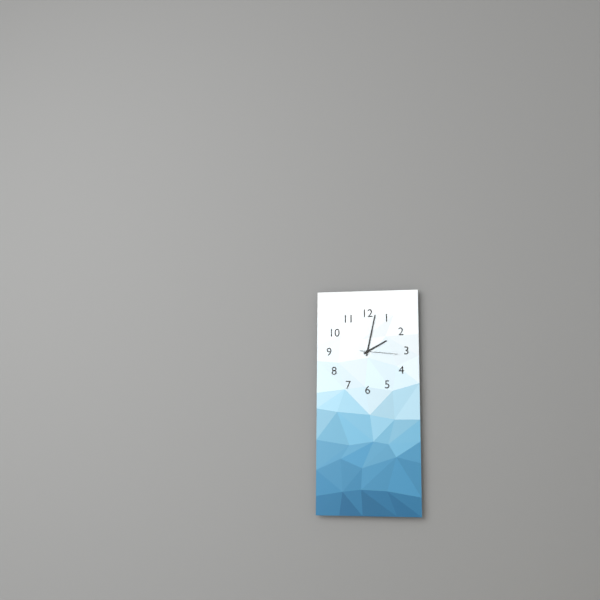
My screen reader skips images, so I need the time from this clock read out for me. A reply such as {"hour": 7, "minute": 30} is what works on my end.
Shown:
{"hour": 2, "minute": 2}
